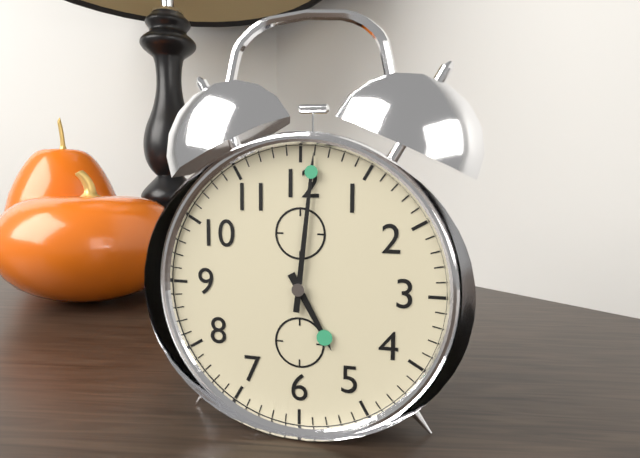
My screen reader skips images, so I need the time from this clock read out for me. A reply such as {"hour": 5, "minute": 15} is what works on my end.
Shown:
{"hour": 5, "minute": 1}
